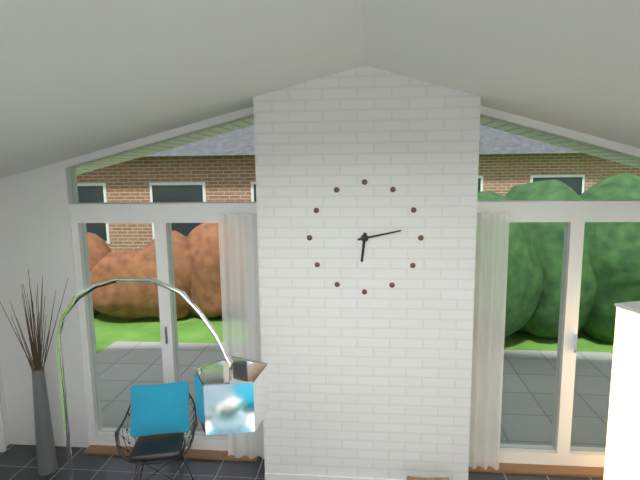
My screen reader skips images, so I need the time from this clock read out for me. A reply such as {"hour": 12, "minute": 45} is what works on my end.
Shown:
{"hour": 6, "minute": 13}
